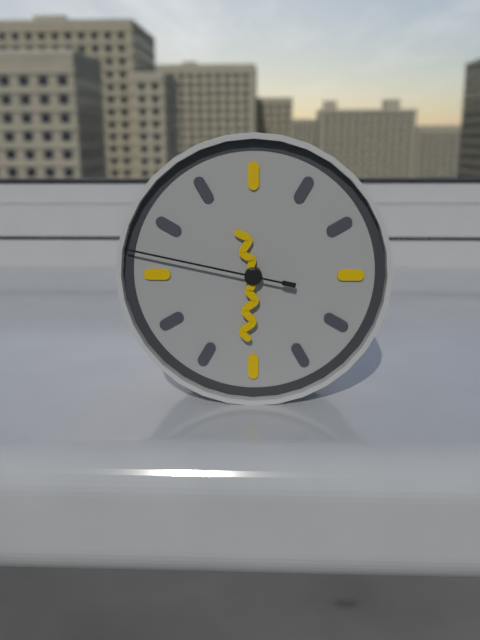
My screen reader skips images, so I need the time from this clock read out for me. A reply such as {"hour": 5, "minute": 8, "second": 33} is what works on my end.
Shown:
{"hour": 11, "minute": 31, "second": 47}
